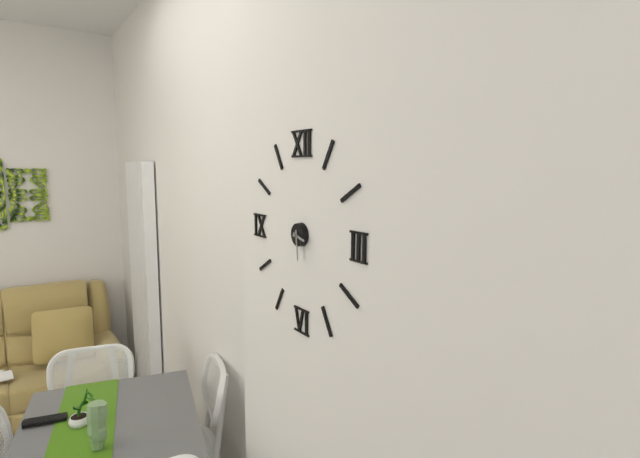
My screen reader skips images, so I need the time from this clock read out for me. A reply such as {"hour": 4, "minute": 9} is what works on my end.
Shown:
{"hour": 3, "minute": 29}
